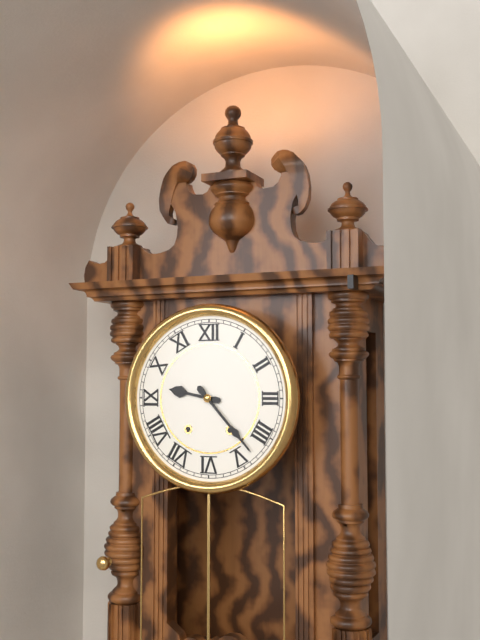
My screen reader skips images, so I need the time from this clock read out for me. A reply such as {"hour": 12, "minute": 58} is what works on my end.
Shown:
{"hour": 9, "minute": 23}
